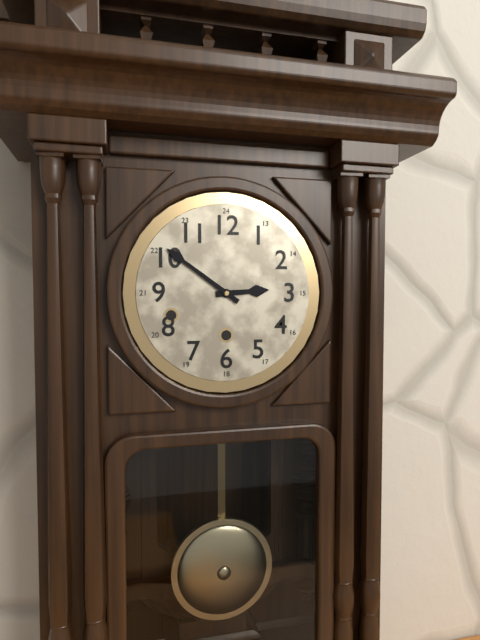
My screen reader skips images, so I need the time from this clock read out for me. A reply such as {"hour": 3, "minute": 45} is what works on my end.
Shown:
{"hour": 2, "minute": 51}
